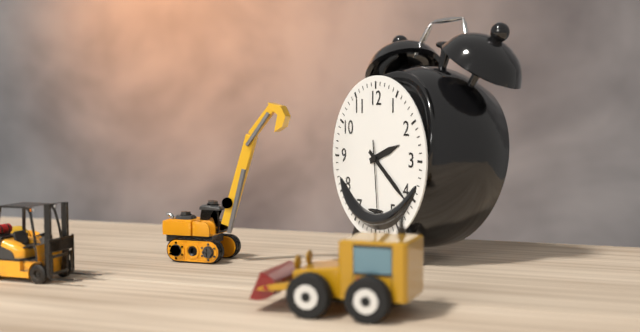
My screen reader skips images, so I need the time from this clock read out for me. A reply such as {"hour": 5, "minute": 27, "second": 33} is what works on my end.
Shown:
{"hour": 2, "minute": 21, "second": 29}
